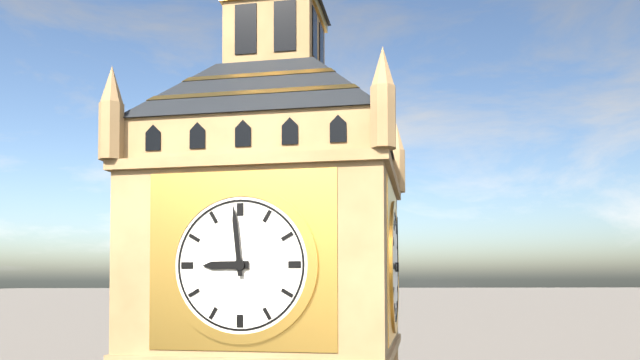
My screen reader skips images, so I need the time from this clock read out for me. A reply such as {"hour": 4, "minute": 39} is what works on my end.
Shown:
{"hour": 8, "minute": 59}
